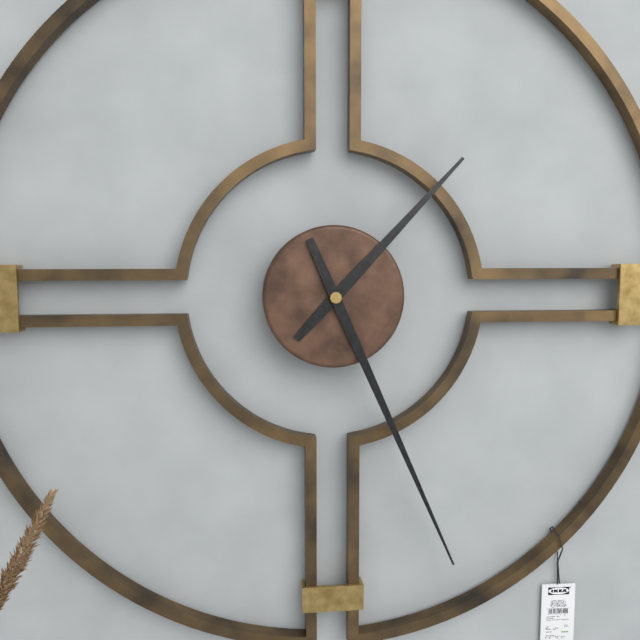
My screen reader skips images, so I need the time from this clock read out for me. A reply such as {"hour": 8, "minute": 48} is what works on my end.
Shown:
{"hour": 1, "minute": 26}
